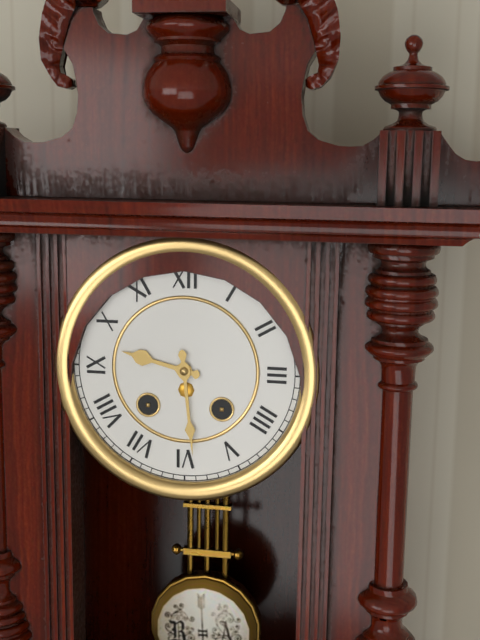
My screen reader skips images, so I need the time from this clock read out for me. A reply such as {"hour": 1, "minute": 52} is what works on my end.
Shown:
{"hour": 9, "minute": 29}
